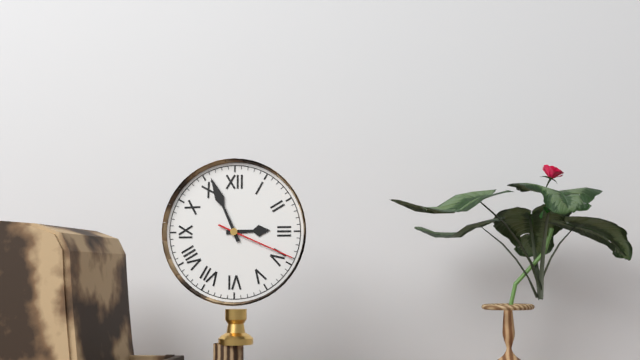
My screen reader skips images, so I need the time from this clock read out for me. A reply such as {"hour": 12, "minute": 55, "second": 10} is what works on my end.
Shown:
{"hour": 2, "minute": 56, "second": 19}
